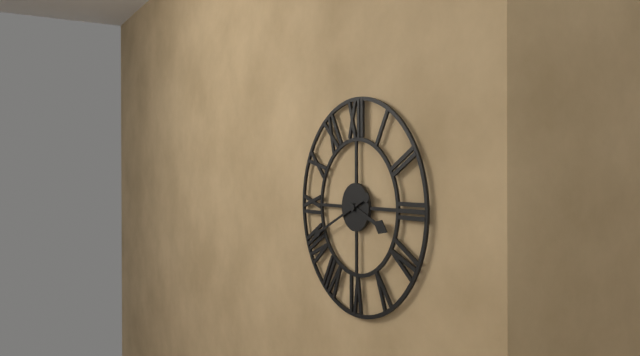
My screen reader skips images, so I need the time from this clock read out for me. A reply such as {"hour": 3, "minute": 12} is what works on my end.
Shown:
{"hour": 3, "minute": 41}
